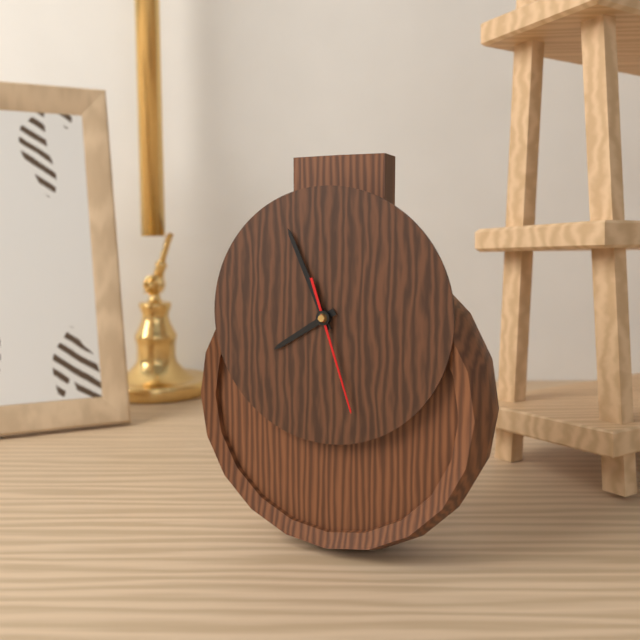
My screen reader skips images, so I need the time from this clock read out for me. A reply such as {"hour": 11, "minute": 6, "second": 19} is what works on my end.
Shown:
{"hour": 7, "minute": 56, "second": 27}
